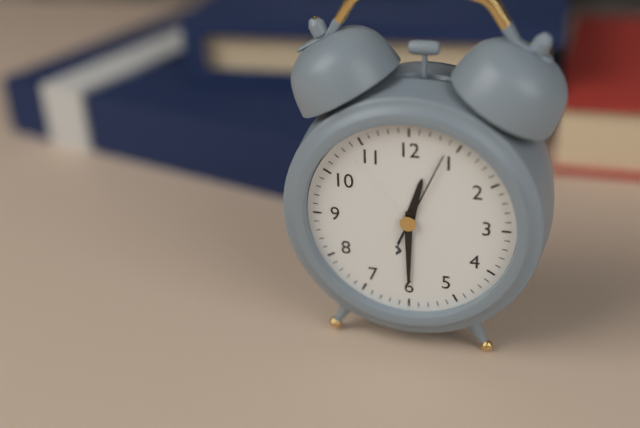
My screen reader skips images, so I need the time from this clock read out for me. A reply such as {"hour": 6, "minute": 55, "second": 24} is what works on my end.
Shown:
{"hour": 12, "minute": 30, "second": 4}
